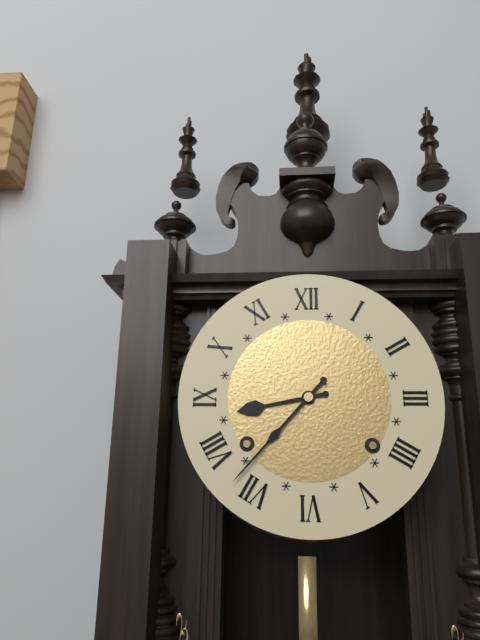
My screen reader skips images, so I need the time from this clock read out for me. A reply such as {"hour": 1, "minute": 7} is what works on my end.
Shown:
{"hour": 8, "minute": 37}
